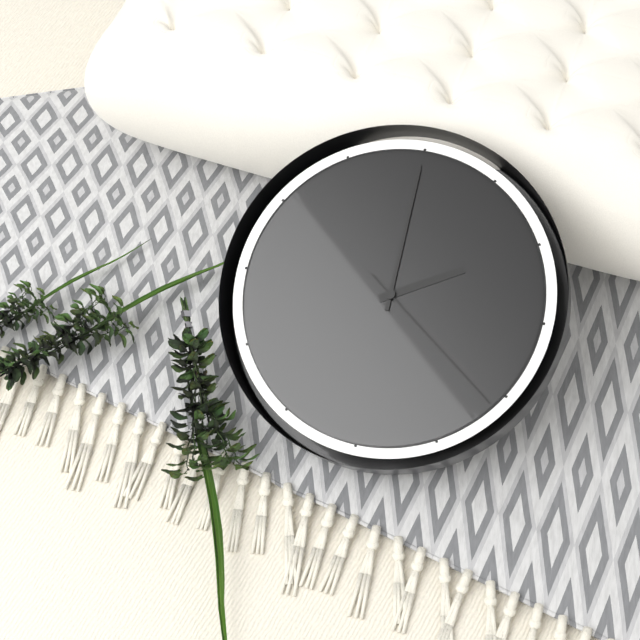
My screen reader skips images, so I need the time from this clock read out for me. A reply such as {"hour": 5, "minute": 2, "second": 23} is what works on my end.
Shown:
{"hour": 2, "minute": 0, "second": 21}
